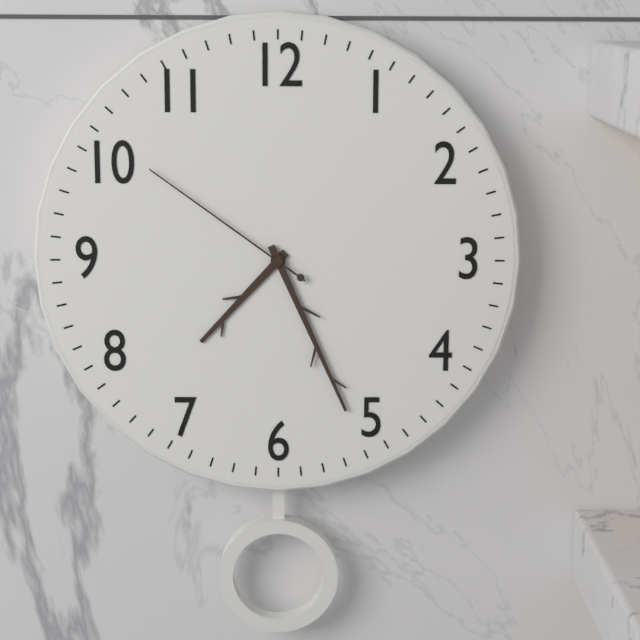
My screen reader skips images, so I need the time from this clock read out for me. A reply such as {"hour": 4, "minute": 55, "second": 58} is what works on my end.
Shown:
{"hour": 7, "minute": 26, "second": 51}
